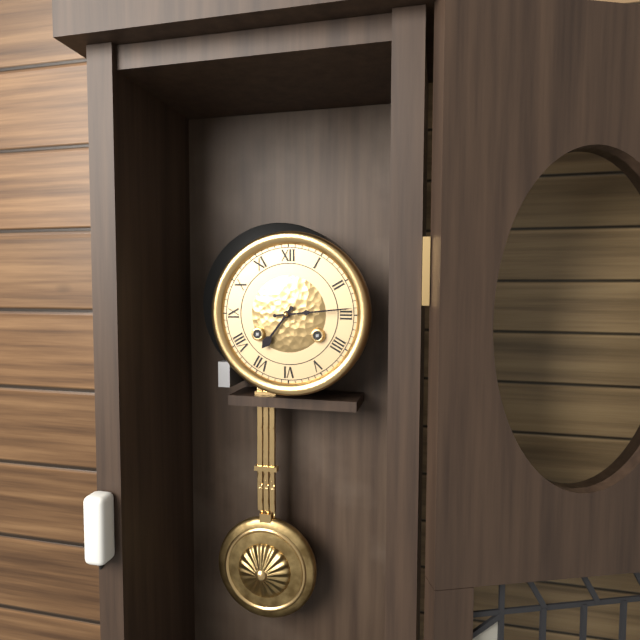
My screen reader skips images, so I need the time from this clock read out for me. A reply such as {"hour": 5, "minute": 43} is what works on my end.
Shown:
{"hour": 7, "minute": 14}
